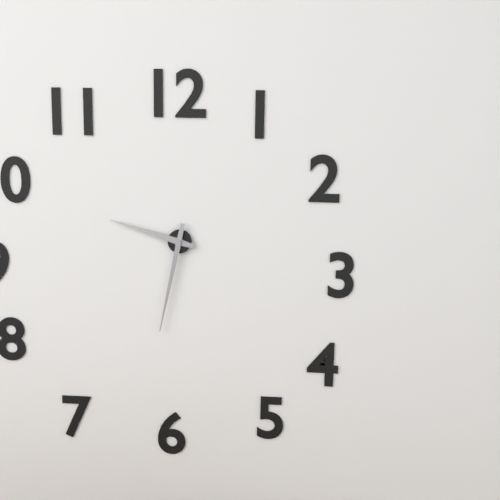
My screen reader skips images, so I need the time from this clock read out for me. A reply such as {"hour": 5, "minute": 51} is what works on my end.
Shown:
{"hour": 9, "minute": 32}
